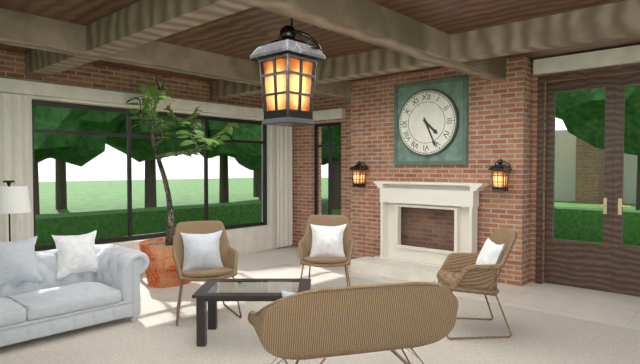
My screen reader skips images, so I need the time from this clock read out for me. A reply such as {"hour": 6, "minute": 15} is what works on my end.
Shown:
{"hour": 4, "minute": 26}
